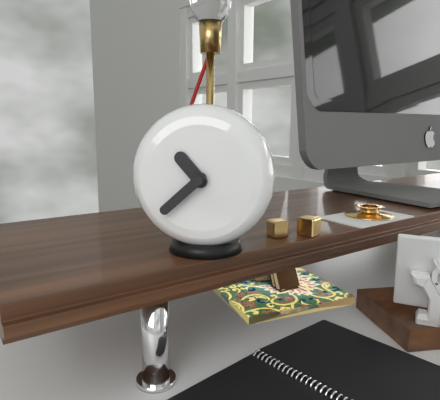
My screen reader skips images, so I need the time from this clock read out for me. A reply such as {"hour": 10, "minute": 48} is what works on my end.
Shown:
{"hour": 10, "minute": 38}
